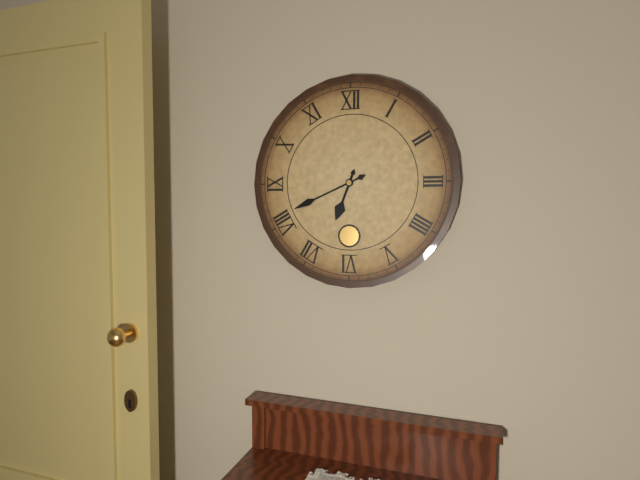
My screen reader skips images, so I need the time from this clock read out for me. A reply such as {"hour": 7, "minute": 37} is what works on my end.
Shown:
{"hour": 6, "minute": 41}
